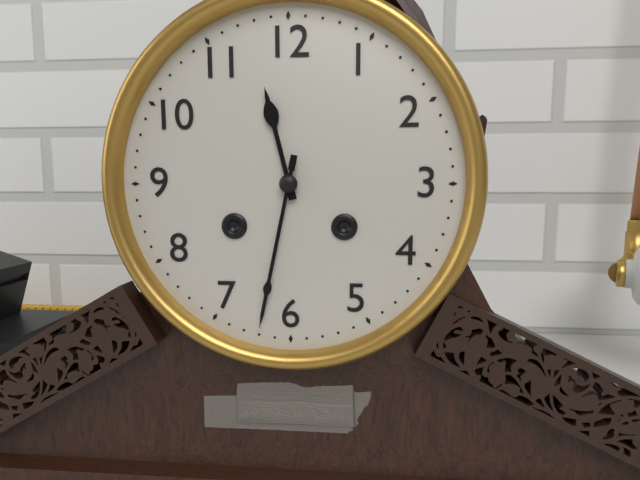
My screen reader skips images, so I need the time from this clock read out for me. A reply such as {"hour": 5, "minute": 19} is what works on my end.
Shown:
{"hour": 11, "minute": 32}
